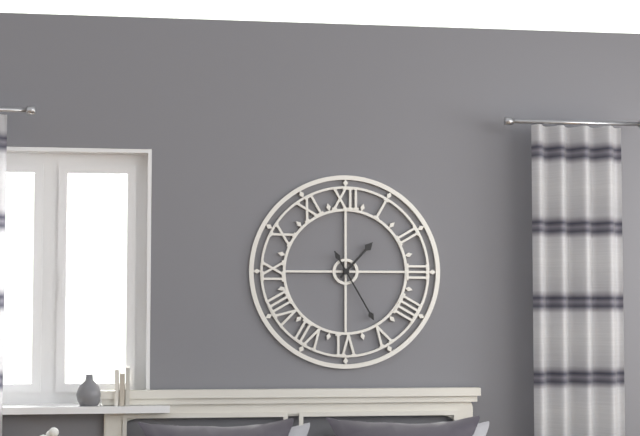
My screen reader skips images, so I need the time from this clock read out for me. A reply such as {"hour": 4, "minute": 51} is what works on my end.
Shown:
{"hour": 1, "minute": 25}
